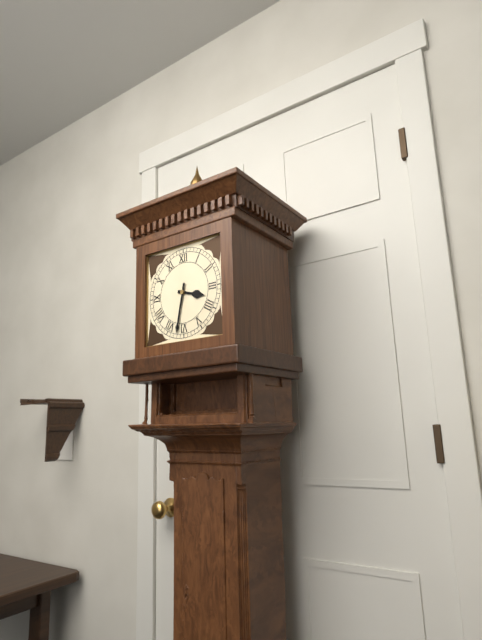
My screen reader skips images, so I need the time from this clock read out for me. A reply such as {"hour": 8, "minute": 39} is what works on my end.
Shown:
{"hour": 3, "minute": 32}
